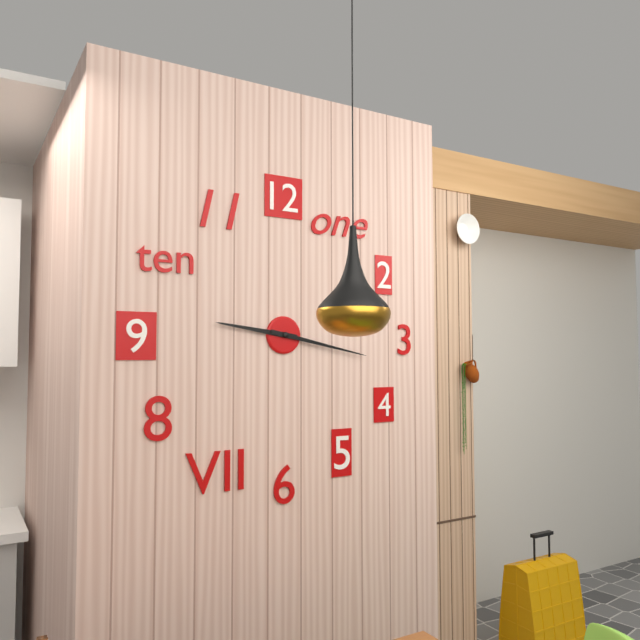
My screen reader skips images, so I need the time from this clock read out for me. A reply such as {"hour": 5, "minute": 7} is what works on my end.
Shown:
{"hour": 9, "minute": 17}
